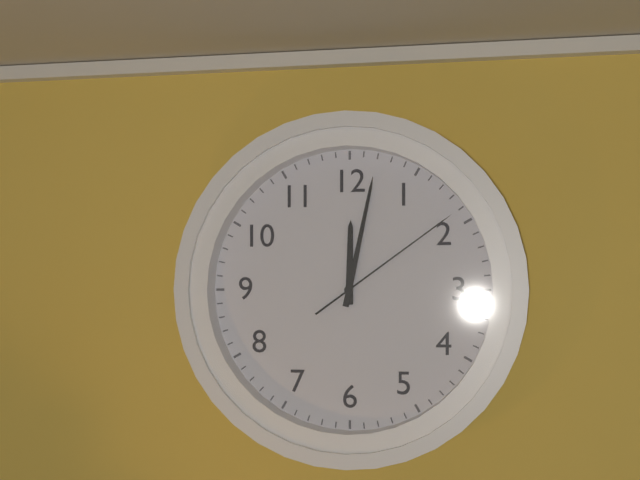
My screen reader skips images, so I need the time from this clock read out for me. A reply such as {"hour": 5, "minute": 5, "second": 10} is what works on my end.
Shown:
{"hour": 12, "minute": 2, "second": 9}
